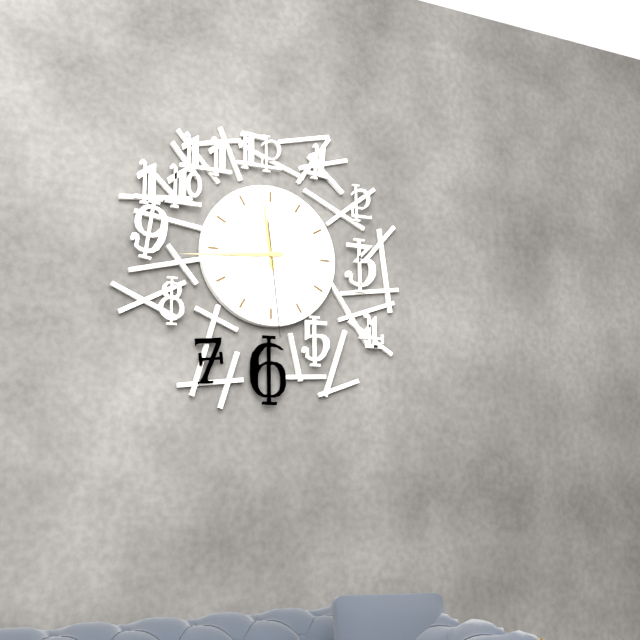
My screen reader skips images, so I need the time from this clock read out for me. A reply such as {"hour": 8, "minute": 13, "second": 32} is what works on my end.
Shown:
{"hour": 11, "minute": 44, "second": 29}
